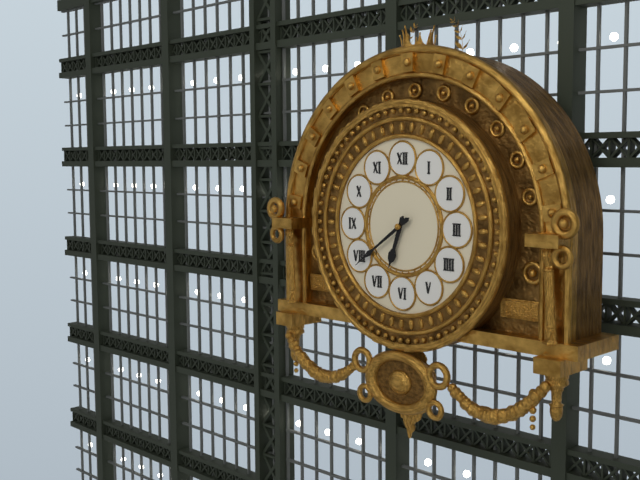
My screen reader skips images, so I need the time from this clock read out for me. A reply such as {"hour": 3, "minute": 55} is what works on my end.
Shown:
{"hour": 6, "minute": 39}
